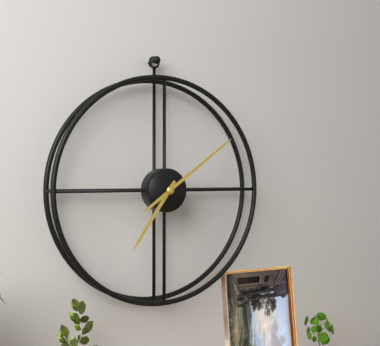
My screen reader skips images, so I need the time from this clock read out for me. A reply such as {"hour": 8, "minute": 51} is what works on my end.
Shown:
{"hour": 7, "minute": 9}
